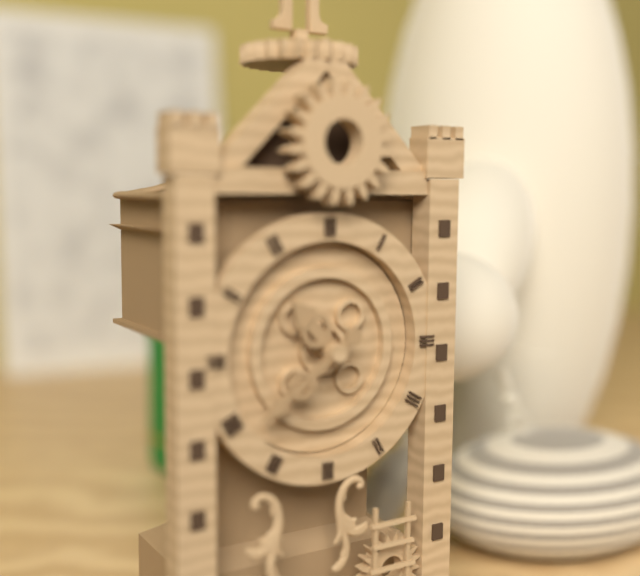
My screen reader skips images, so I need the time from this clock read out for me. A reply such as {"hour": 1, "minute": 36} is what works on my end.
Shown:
{"hour": 10, "minute": 39}
